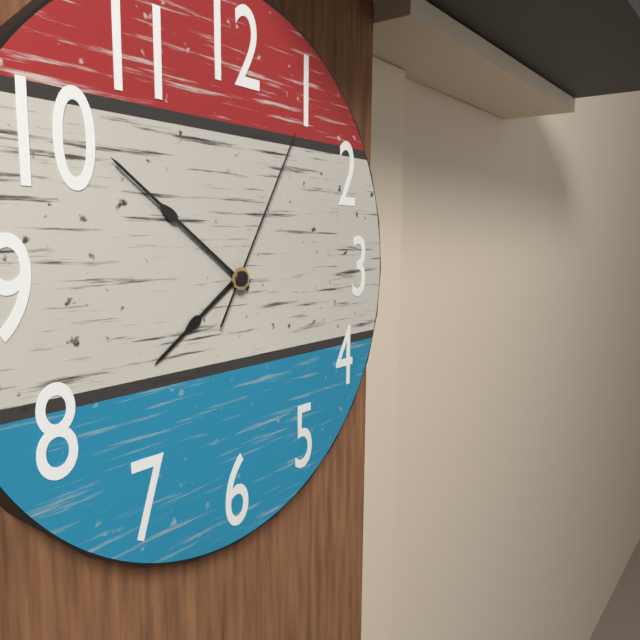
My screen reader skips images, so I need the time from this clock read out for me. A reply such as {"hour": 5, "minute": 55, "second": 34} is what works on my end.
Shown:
{"hour": 7, "minute": 51, "second": 5}
